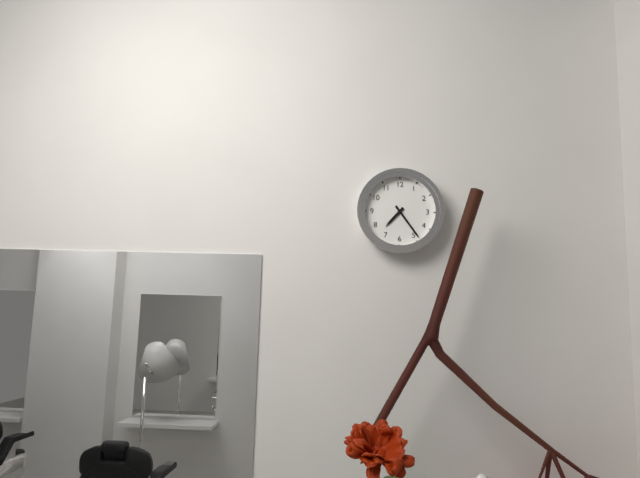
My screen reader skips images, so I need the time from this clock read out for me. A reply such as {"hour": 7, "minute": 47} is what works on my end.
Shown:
{"hour": 7, "minute": 24}
